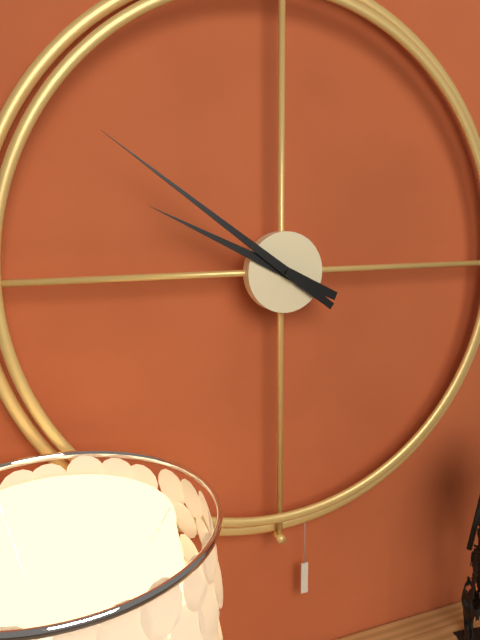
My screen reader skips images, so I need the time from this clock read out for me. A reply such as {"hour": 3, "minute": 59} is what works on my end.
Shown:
{"hour": 9, "minute": 51}
